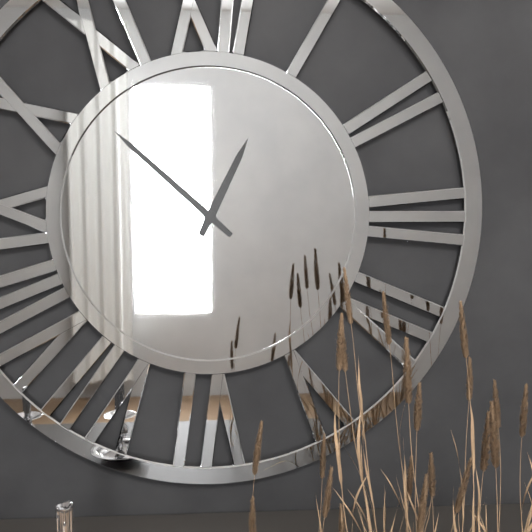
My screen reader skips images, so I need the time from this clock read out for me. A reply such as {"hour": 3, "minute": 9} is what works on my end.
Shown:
{"hour": 12, "minute": 52}
